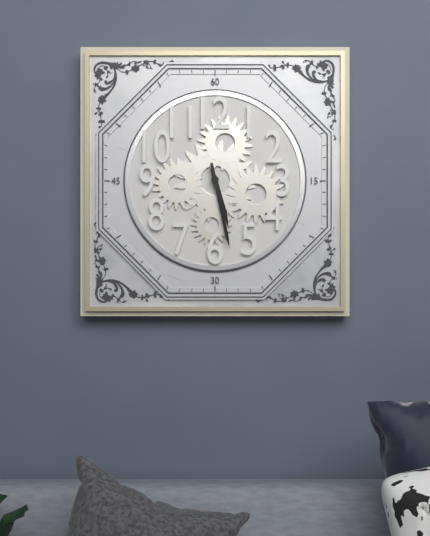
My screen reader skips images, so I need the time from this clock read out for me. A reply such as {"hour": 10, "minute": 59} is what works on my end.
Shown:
{"hour": 5, "minute": 28}
